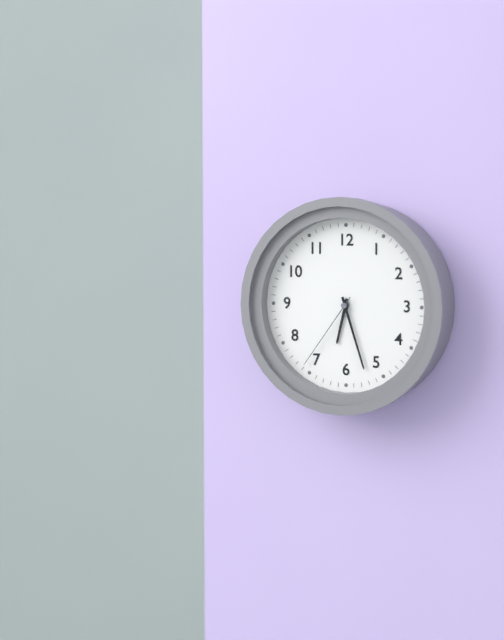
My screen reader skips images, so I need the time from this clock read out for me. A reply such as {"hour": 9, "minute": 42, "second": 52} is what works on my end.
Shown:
{"hour": 6, "minute": 27, "second": 36}
